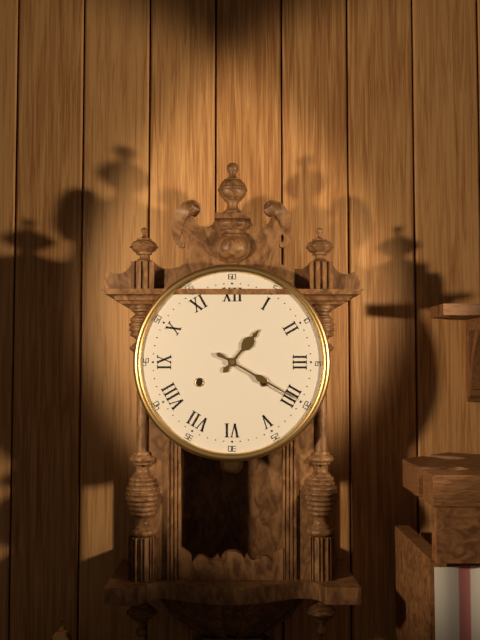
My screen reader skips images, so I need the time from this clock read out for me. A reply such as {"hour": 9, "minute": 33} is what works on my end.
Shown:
{"hour": 1, "minute": 20}
